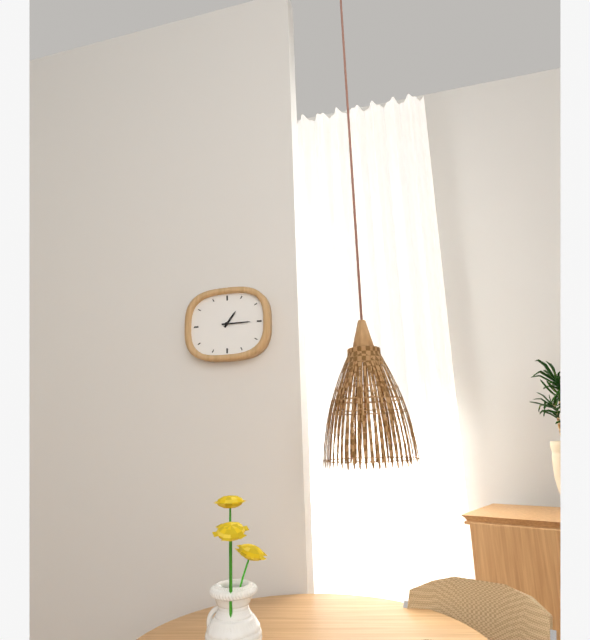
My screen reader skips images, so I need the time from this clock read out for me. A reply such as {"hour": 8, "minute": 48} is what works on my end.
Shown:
{"hour": 1, "minute": 15}
